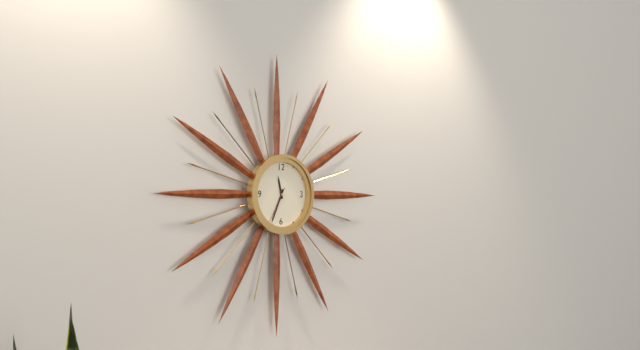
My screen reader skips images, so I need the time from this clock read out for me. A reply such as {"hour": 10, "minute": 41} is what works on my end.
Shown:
{"hour": 11, "minute": 34}
